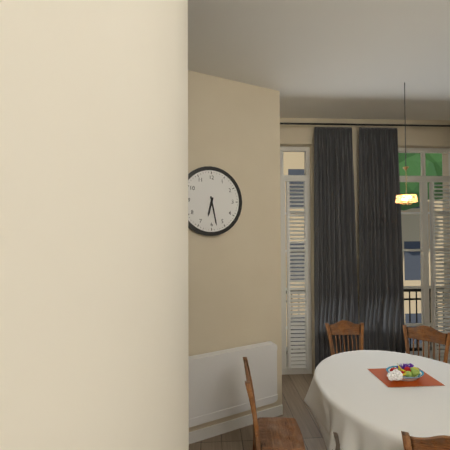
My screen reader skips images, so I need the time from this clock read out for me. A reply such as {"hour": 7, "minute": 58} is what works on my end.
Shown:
{"hour": 6, "minute": 28}
